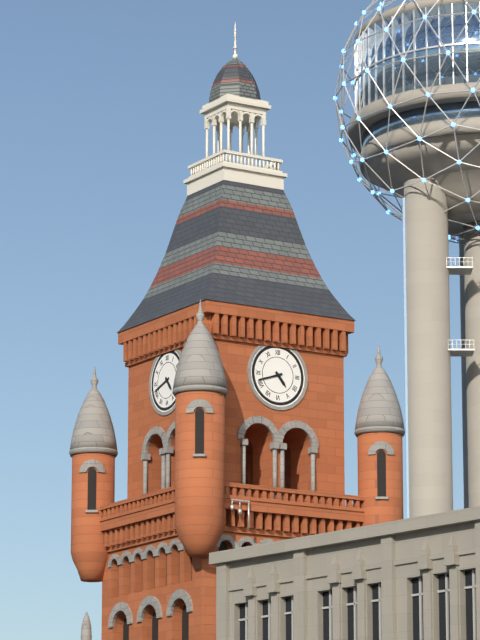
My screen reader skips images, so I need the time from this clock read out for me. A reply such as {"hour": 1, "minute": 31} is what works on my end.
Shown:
{"hour": 4, "minute": 42}
